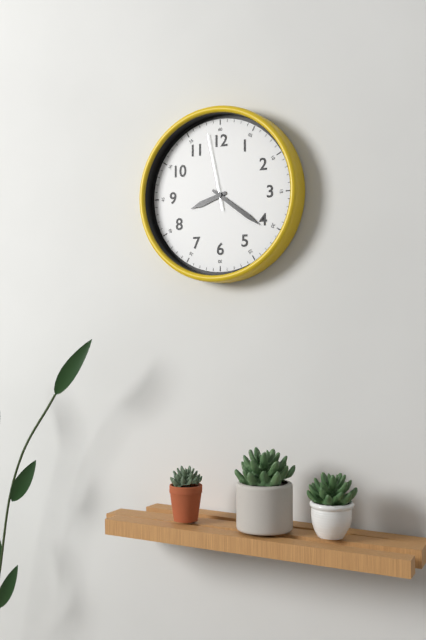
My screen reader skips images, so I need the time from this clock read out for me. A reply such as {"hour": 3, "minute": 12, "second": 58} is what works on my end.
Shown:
{"hour": 8, "minute": 21, "second": 58}
